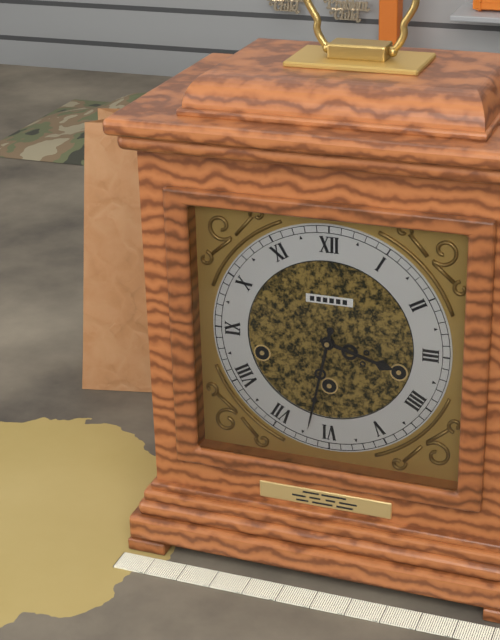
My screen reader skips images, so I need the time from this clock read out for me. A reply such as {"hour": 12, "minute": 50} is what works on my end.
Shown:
{"hour": 3, "minute": 32}
